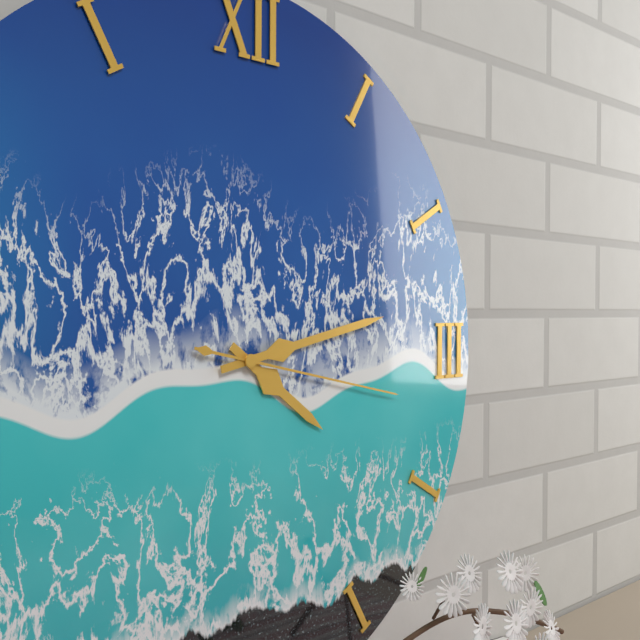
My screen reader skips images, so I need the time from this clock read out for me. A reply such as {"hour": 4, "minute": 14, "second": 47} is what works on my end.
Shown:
{"hour": 4, "minute": 13, "second": 17}
